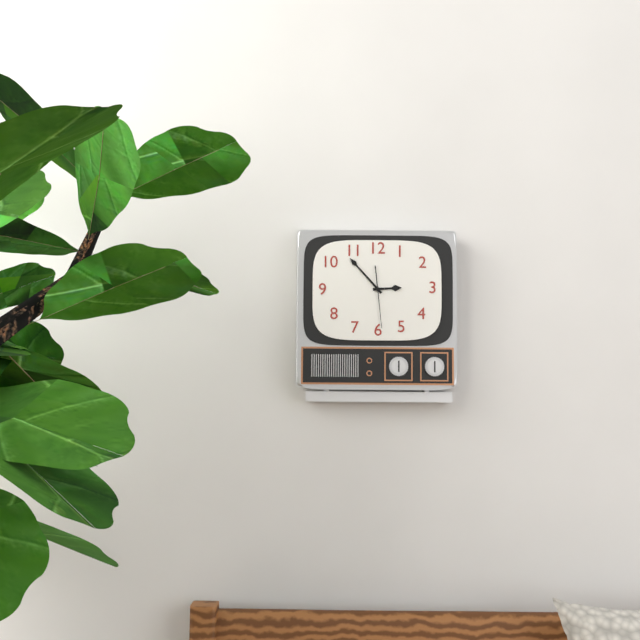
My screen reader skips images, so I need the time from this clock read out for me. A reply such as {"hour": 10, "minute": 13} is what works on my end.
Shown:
{"hour": 2, "minute": 53}
